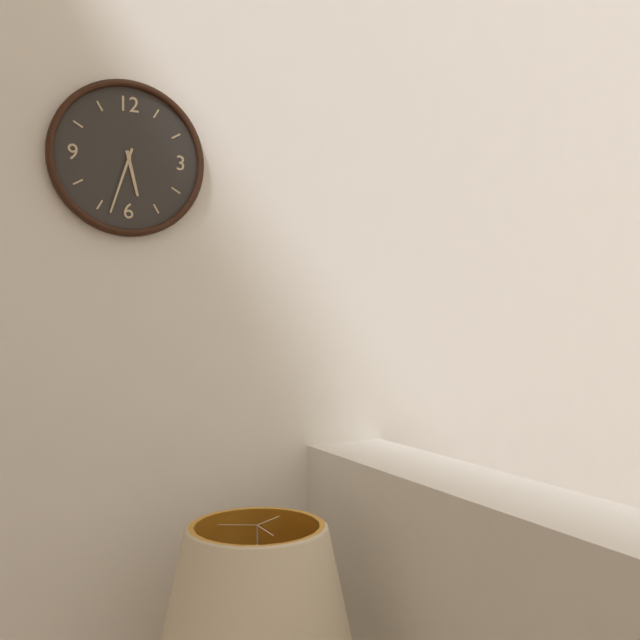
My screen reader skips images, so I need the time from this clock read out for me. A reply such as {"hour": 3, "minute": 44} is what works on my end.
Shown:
{"hour": 5, "minute": 33}
